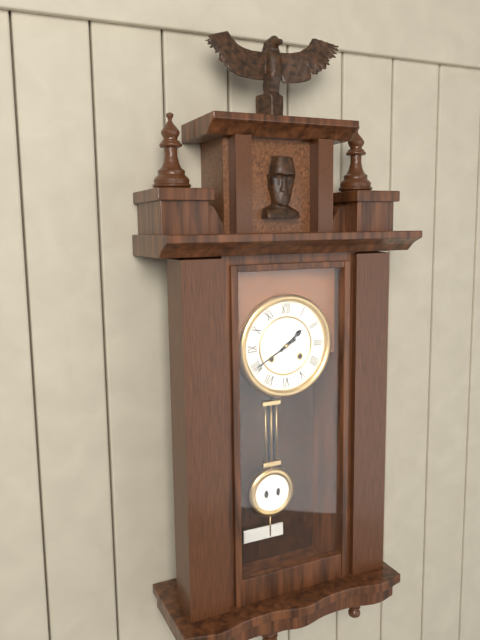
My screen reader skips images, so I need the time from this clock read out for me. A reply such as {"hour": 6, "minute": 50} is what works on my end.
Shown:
{"hour": 1, "minute": 40}
